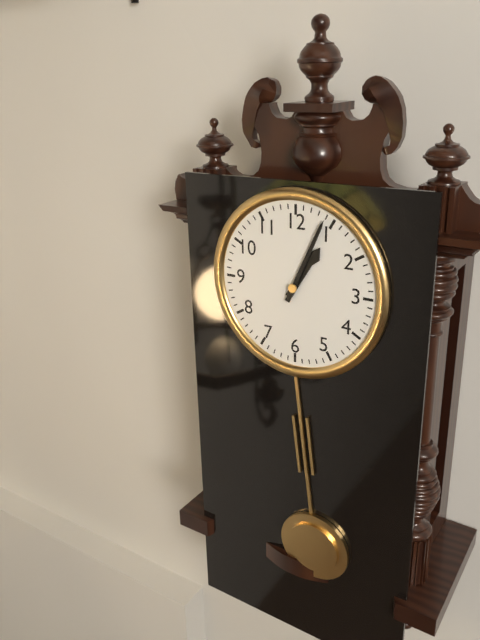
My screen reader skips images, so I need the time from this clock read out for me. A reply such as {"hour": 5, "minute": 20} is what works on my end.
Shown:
{"hour": 1, "minute": 4}
